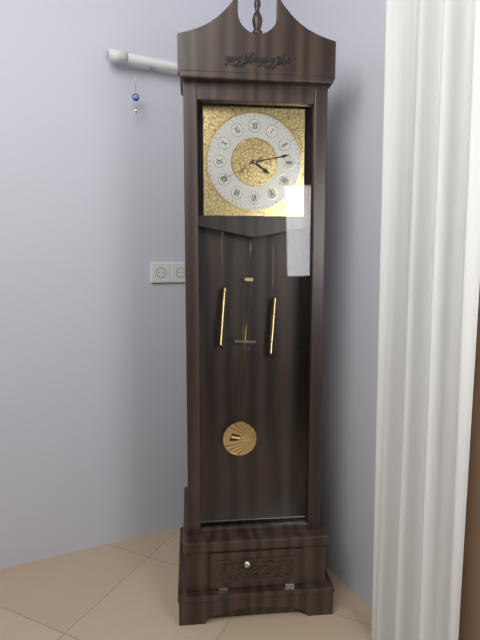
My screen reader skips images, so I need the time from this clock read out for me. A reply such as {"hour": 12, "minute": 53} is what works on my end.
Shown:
{"hour": 4, "minute": 13}
